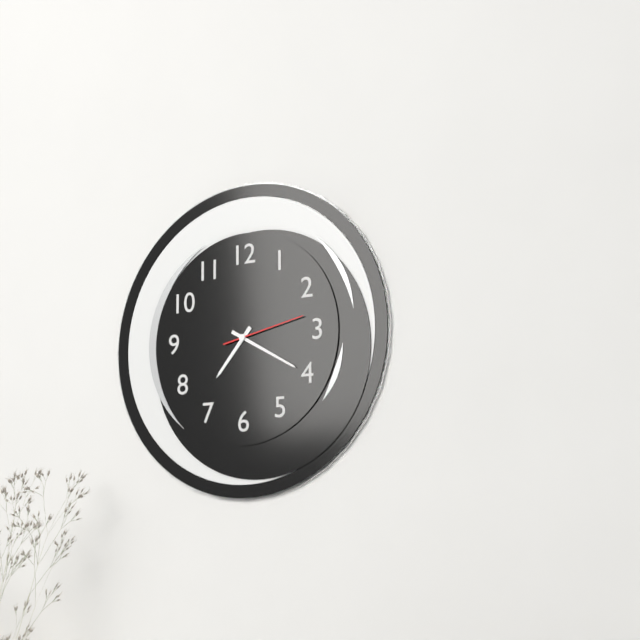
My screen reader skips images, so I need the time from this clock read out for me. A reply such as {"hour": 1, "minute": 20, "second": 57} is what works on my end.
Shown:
{"hour": 7, "minute": 20, "second": 13}
